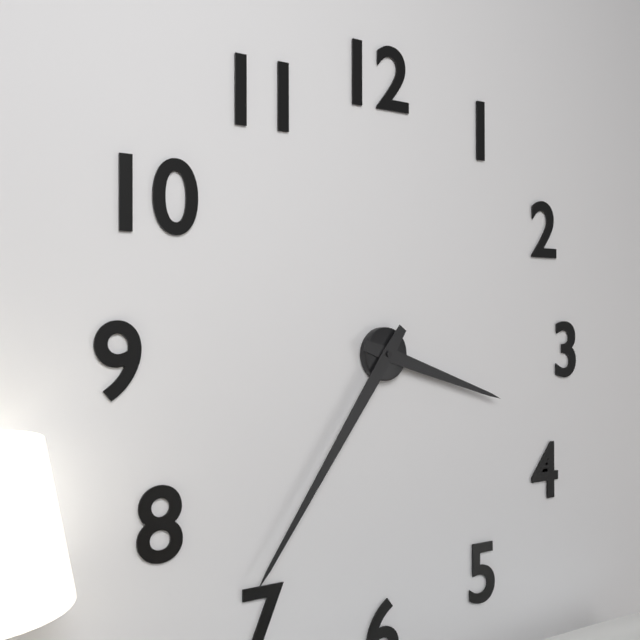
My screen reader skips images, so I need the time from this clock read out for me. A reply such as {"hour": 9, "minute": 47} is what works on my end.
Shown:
{"hour": 3, "minute": 36}
